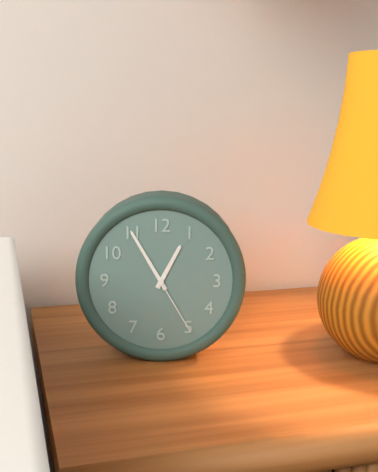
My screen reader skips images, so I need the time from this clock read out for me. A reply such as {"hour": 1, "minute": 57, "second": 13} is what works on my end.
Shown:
{"hour": 12, "minute": 55, "second": 25}
